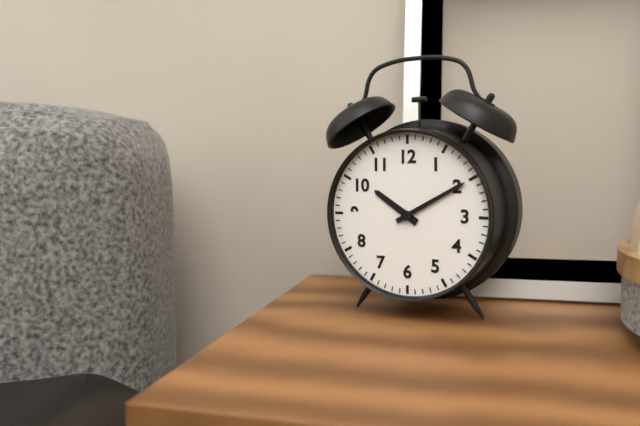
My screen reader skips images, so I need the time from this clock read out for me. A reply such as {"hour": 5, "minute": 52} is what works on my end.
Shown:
{"hour": 10, "minute": 10}
